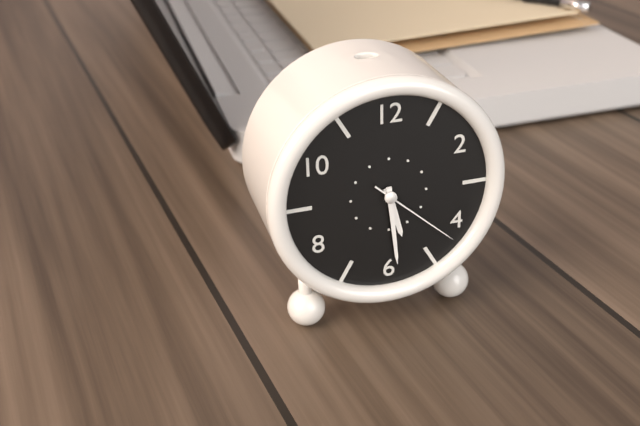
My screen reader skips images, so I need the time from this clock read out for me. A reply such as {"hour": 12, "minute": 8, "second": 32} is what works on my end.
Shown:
{"hour": 5, "minute": 29, "second": 22}
